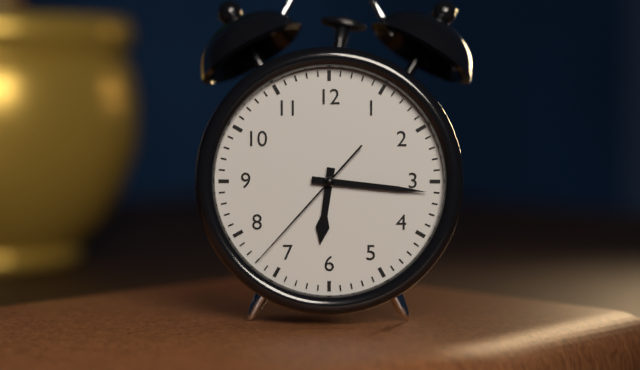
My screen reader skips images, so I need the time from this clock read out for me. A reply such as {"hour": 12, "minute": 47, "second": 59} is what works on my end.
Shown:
{"hour": 6, "minute": 16, "second": 37}
